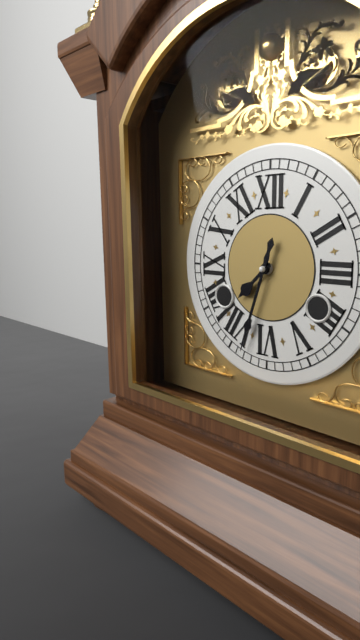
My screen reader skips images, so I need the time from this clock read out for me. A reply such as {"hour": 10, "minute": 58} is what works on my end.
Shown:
{"hour": 7, "minute": 33}
